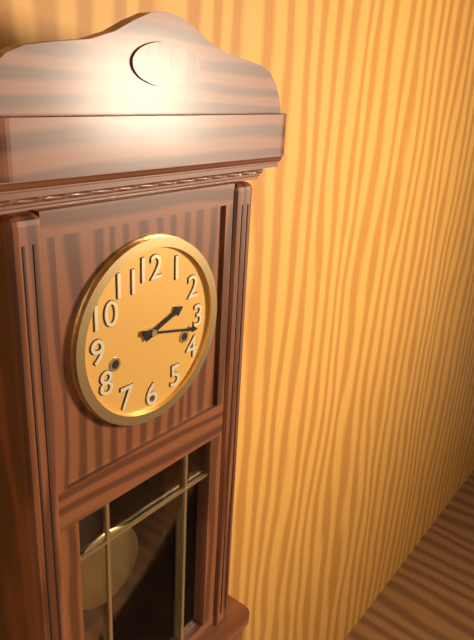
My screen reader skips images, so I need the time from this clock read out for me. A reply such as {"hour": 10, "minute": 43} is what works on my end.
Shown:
{"hour": 2, "minute": 17}
